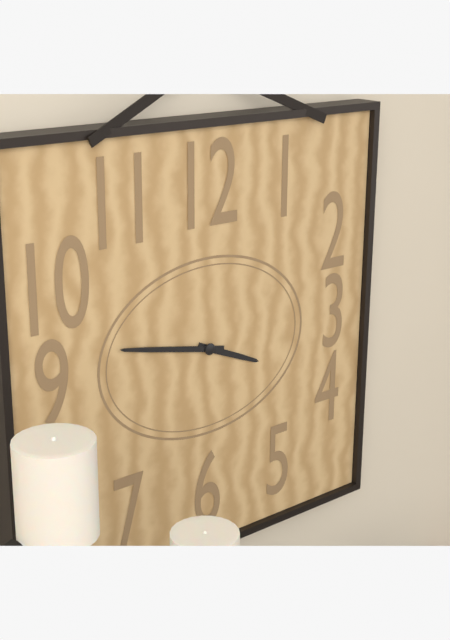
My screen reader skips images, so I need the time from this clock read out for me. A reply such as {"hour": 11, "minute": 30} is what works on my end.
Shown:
{"hour": 3, "minute": 47}
